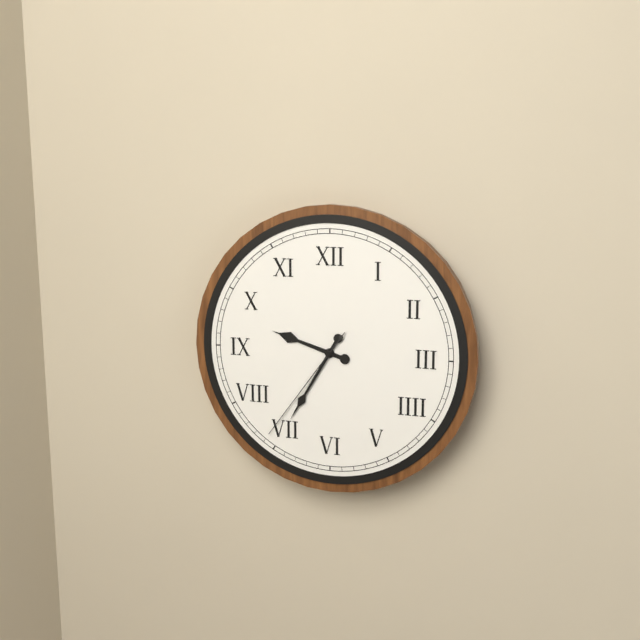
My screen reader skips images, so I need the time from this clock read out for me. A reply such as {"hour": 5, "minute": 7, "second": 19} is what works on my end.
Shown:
{"hour": 9, "minute": 35, "second": 36}
